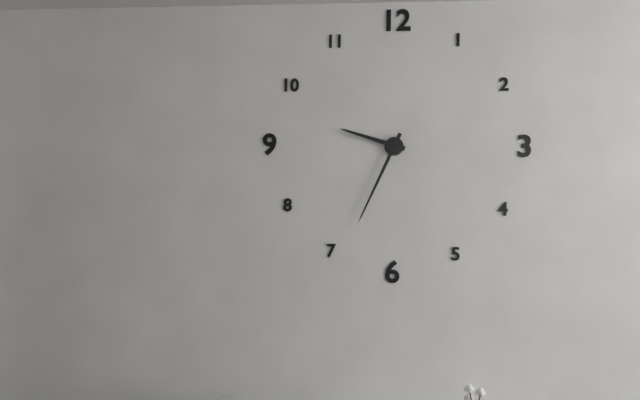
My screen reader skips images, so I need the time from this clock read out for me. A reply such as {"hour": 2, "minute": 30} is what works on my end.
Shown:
{"hour": 9, "minute": 34}
